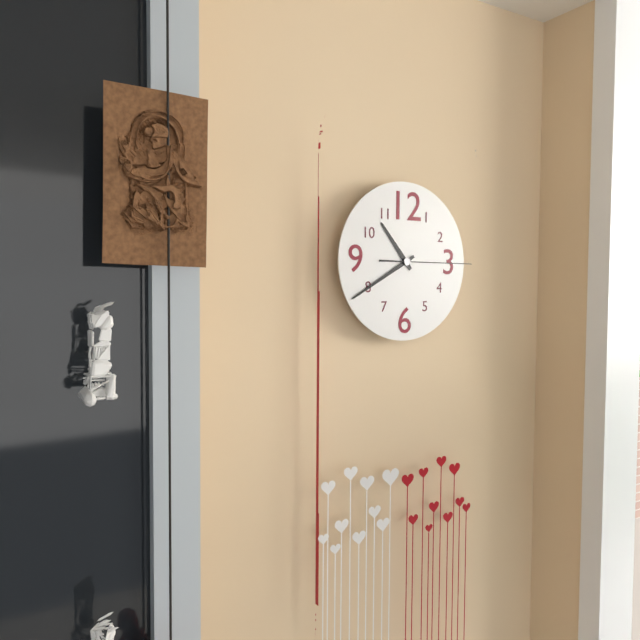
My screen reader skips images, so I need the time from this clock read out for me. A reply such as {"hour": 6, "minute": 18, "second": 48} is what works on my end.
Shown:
{"hour": 10, "minute": 40, "second": 15}
